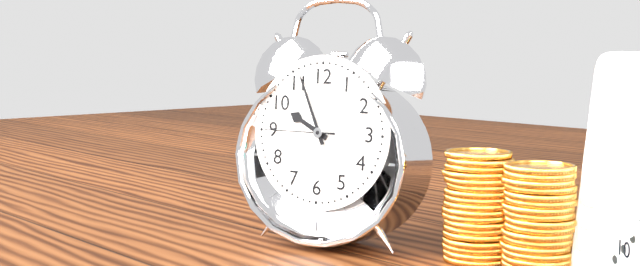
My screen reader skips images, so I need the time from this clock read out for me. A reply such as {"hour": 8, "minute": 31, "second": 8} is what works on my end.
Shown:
{"hour": 9, "minute": 56, "second": 45}
